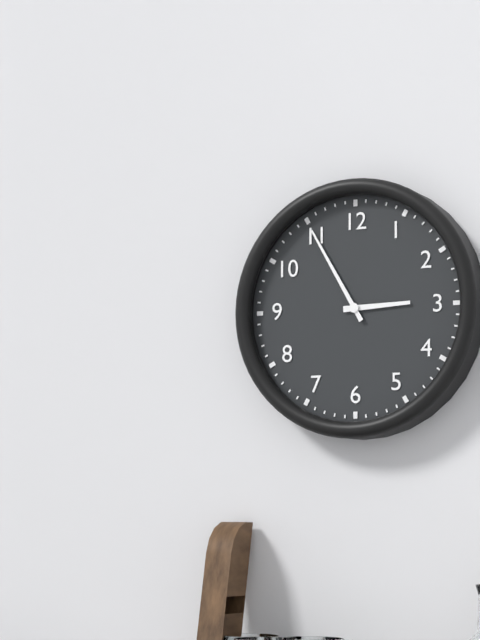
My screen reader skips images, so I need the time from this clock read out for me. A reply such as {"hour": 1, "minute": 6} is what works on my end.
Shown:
{"hour": 2, "minute": 55}
